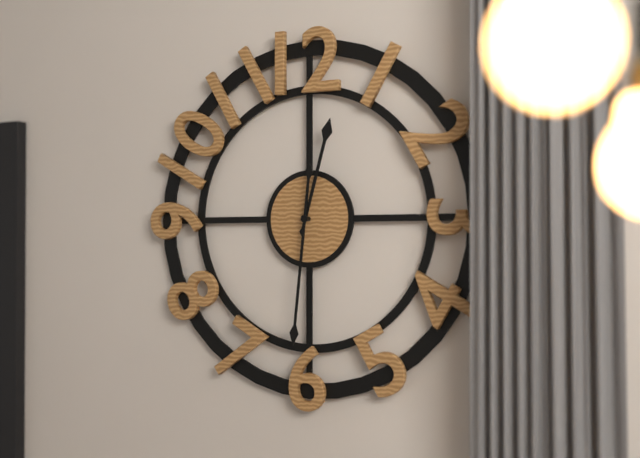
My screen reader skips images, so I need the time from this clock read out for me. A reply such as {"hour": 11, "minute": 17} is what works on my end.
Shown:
{"hour": 12, "minute": 31}
